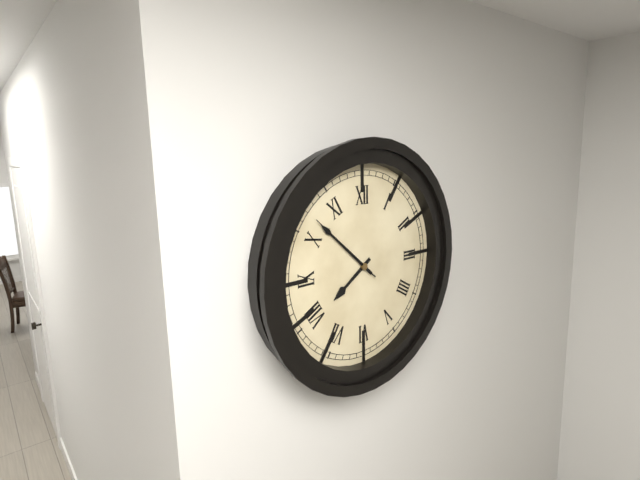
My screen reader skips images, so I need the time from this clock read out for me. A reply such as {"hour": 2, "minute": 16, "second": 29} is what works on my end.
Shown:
{"hour": 7, "minute": 52, "second": 52}
